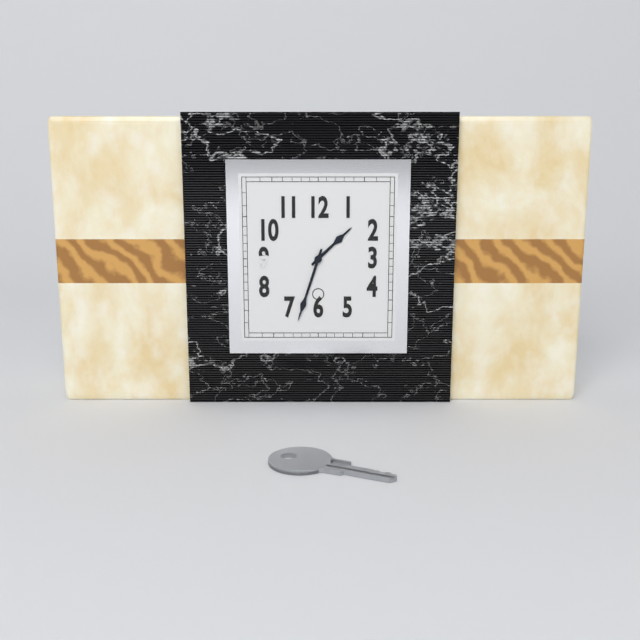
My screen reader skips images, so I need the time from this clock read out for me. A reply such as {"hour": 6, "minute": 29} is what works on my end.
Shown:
{"hour": 1, "minute": 33}
